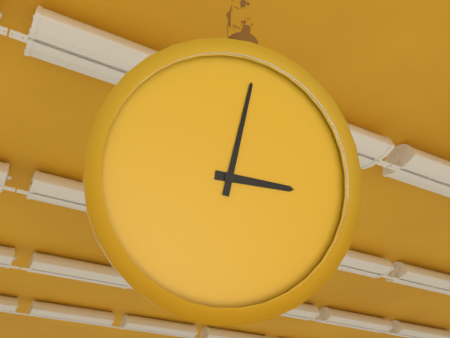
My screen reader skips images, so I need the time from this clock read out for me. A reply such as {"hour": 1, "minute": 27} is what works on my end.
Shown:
{"hour": 3, "minute": 1}
